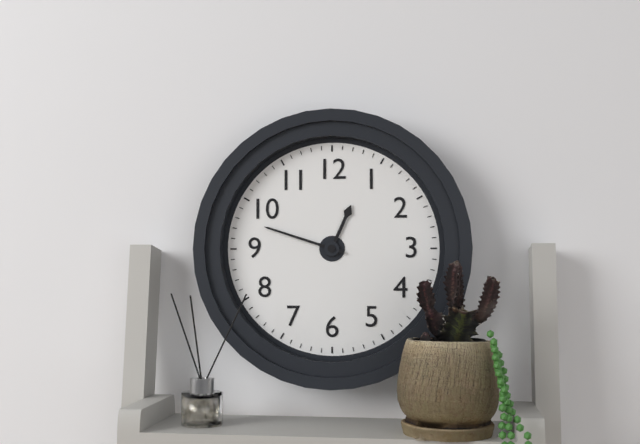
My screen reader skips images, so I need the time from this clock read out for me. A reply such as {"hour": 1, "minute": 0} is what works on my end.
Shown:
{"hour": 12, "minute": 48}
